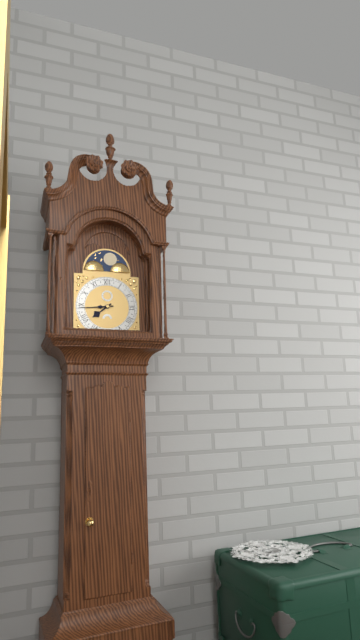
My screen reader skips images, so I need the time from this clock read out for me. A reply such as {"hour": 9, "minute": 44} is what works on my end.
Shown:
{"hour": 7, "minute": 44}
